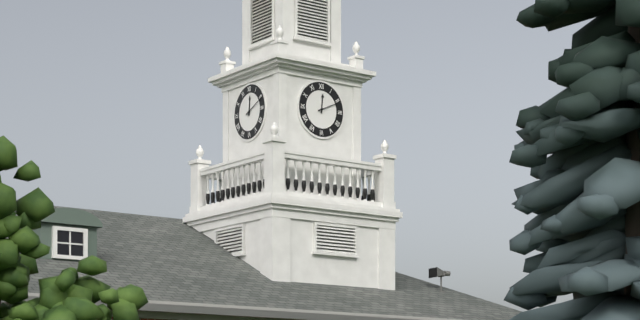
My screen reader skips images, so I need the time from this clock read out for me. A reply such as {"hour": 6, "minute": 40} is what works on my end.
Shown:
{"hour": 12, "minute": 11}
